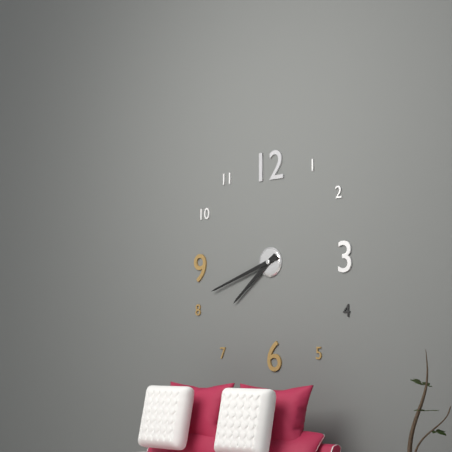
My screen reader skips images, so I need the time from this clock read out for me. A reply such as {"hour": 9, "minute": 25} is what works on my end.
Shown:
{"hour": 7, "minute": 42}
